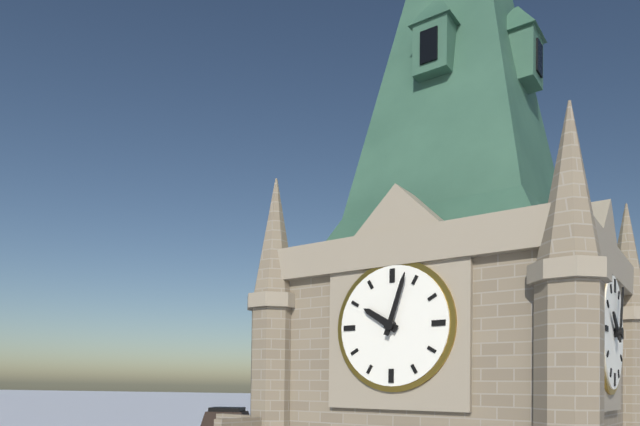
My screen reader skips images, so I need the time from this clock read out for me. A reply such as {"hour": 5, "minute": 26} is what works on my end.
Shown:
{"hour": 10, "minute": 3}
